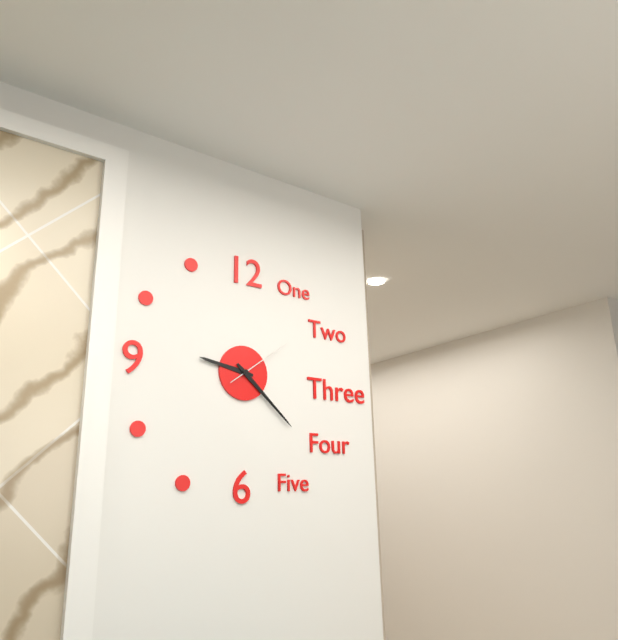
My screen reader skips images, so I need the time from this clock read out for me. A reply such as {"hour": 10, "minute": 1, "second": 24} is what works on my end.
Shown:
{"hour": 9, "minute": 22, "second": 9}
